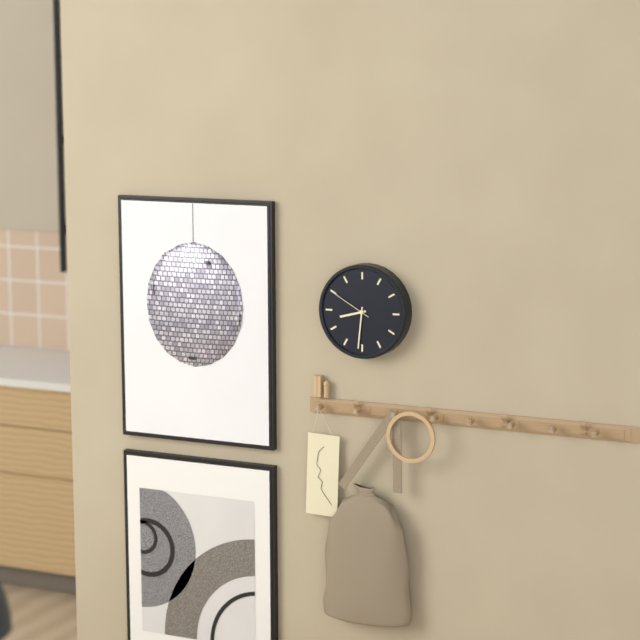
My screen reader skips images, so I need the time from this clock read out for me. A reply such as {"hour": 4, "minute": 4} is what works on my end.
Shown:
{"hour": 8, "minute": 31}
